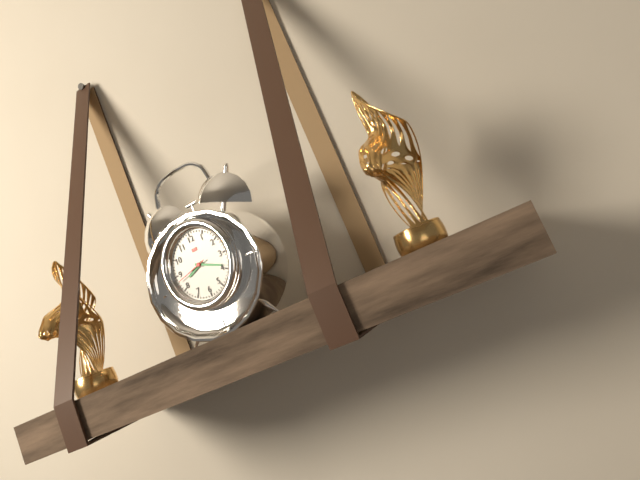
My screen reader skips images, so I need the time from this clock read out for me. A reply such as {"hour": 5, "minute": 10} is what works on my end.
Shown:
{"hour": 8, "minute": 19}
